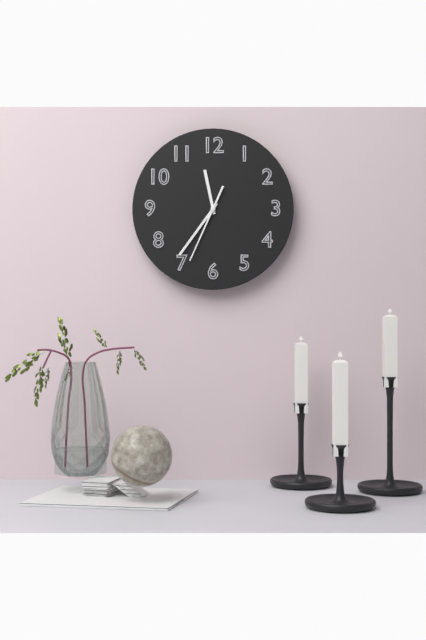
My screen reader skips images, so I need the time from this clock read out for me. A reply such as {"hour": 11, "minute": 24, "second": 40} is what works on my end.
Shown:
{"hour": 11, "minute": 36, "second": 34}
